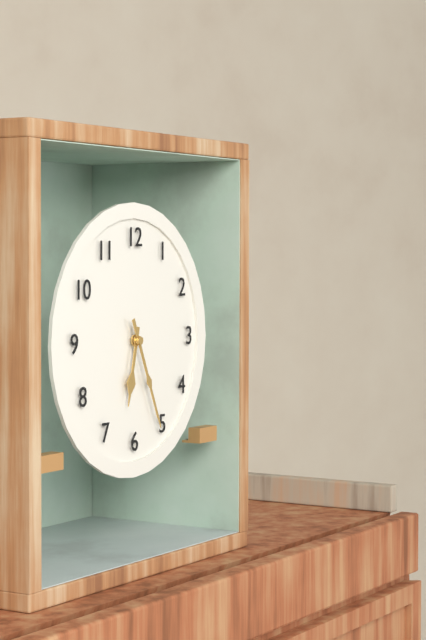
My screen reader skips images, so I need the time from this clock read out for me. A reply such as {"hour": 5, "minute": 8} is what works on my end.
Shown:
{"hour": 6, "minute": 26}
